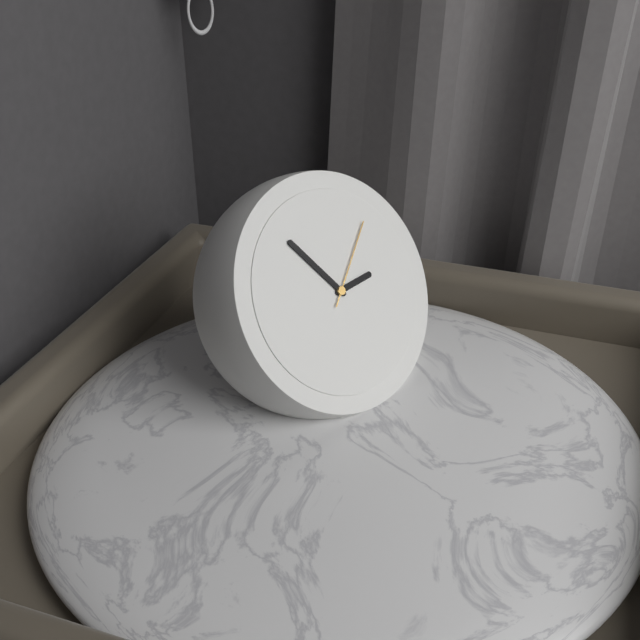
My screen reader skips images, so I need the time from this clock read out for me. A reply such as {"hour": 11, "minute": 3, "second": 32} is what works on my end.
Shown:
{"hour": 2, "minute": 55, "second": 8}
